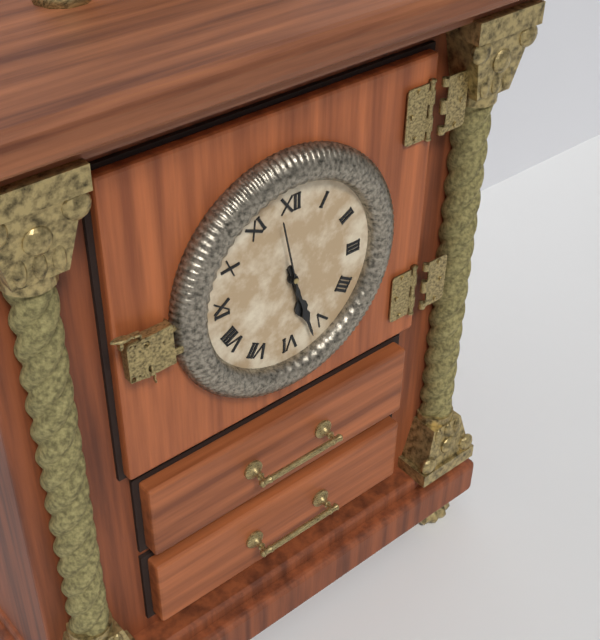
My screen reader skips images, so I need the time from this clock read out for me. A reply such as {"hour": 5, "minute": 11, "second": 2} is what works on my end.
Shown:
{"hour": 5, "minute": 27, "second": 58}
